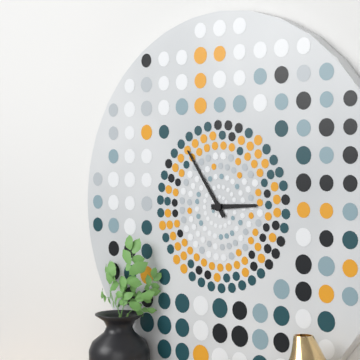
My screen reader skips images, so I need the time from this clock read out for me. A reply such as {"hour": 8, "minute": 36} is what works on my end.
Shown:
{"hour": 2, "minute": 54}
